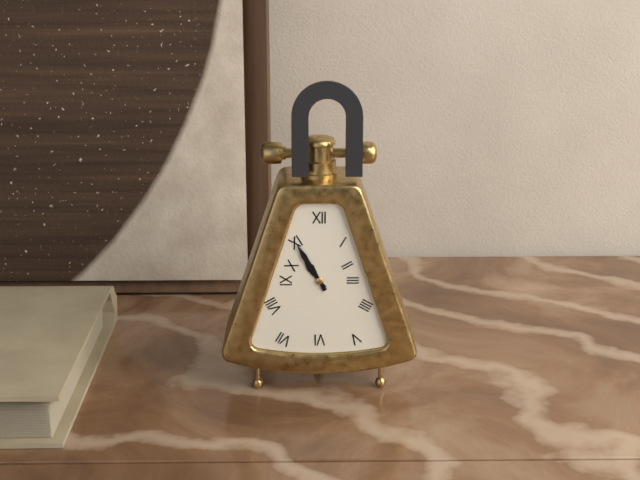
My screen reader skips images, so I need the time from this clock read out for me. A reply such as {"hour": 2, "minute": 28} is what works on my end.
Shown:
{"hour": 10, "minute": 55}
